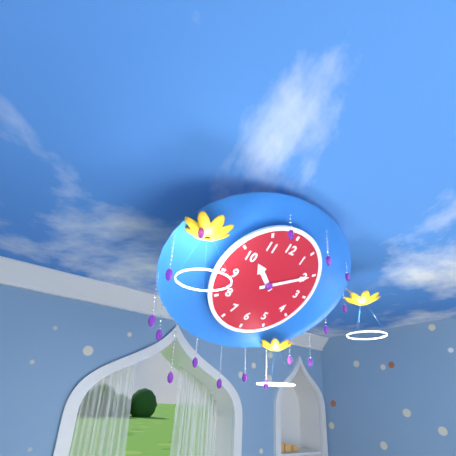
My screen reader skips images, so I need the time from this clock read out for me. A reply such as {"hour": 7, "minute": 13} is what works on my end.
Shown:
{"hour": 10, "minute": 10}
